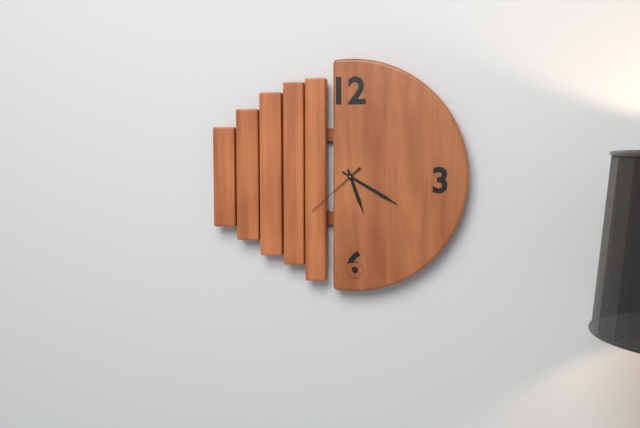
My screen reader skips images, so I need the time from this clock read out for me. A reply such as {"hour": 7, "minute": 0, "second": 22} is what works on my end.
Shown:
{"hour": 5, "minute": 20, "second": 38}
